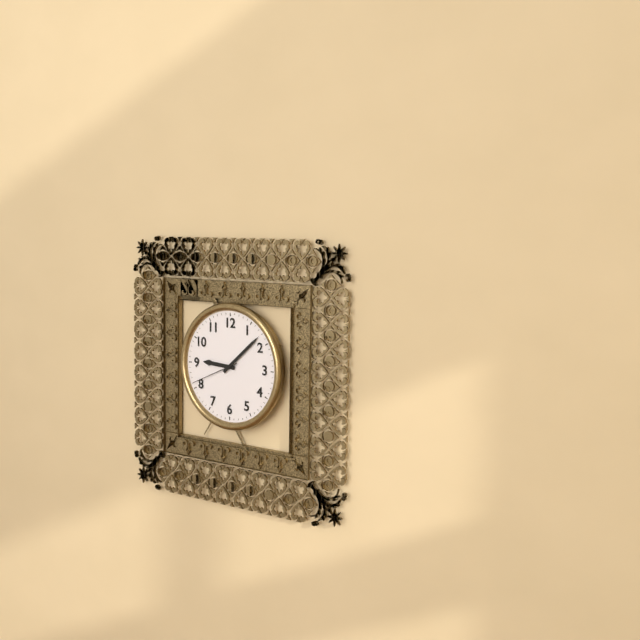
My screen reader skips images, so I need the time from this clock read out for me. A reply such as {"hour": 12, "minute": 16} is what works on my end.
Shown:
{"hour": 9, "minute": 8}
